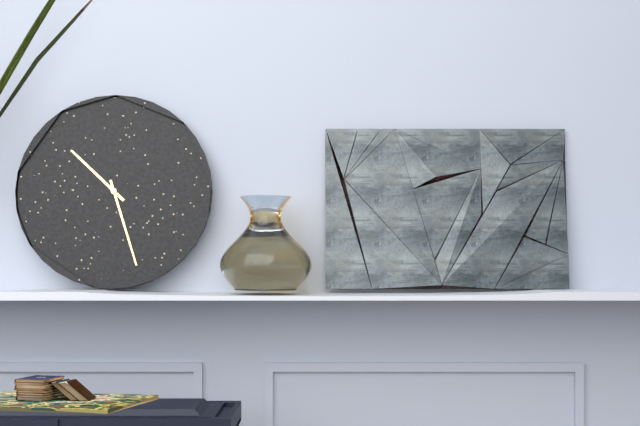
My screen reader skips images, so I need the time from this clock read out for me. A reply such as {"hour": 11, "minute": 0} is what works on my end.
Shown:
{"hour": 10, "minute": 27}
